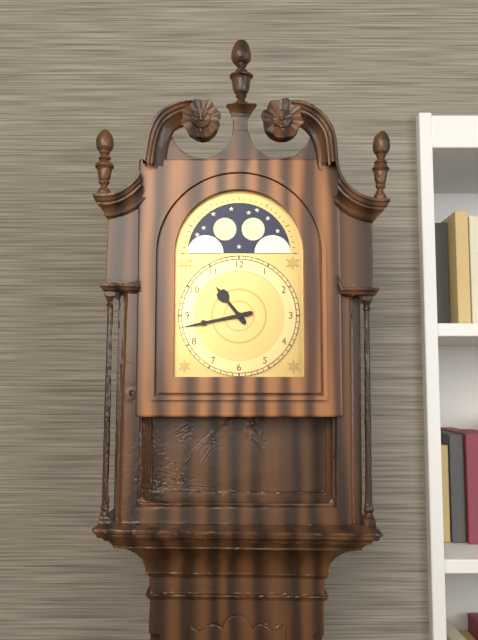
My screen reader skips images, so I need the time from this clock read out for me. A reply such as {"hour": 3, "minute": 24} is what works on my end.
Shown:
{"hour": 10, "minute": 43}
